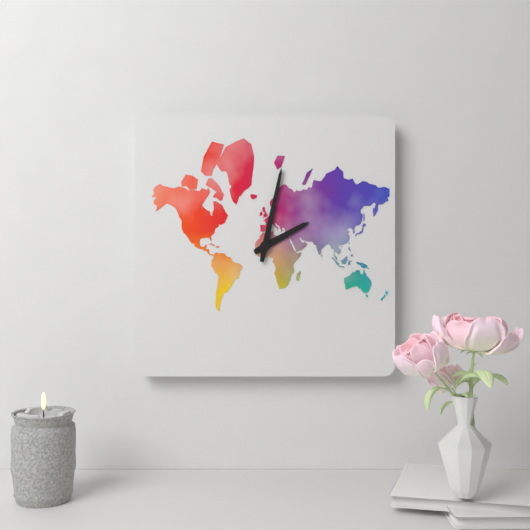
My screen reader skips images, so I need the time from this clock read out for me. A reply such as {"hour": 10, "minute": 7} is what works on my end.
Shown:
{"hour": 2, "minute": 2}
